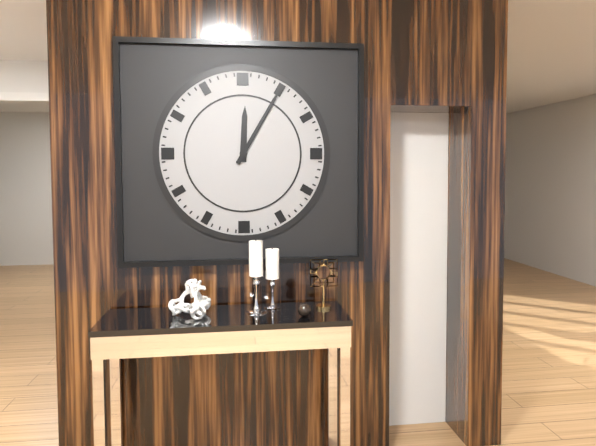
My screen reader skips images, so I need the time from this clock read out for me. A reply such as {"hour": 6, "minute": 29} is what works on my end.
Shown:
{"hour": 12, "minute": 5}
